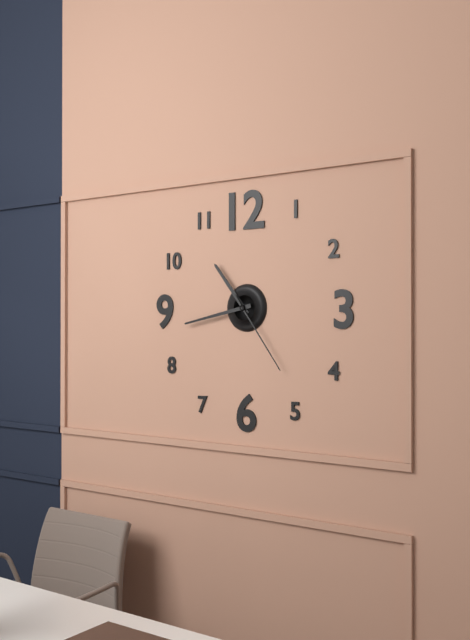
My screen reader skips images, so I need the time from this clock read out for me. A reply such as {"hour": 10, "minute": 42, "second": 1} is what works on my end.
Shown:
{"hour": 10, "minute": 43, "second": 24}
